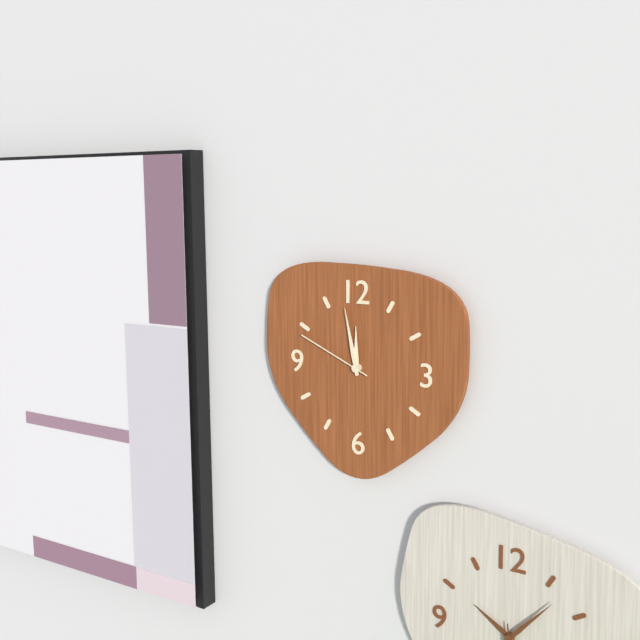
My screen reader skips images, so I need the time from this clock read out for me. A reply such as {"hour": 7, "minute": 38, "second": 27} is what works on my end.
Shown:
{"hour": 11, "minute": 58, "second": 49}
